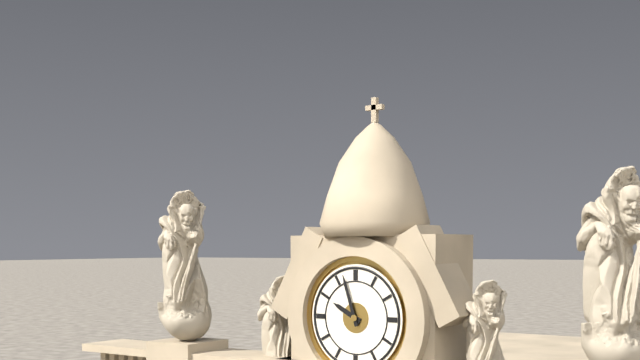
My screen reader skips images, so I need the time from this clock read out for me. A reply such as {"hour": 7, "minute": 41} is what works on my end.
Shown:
{"hour": 9, "minute": 57}
